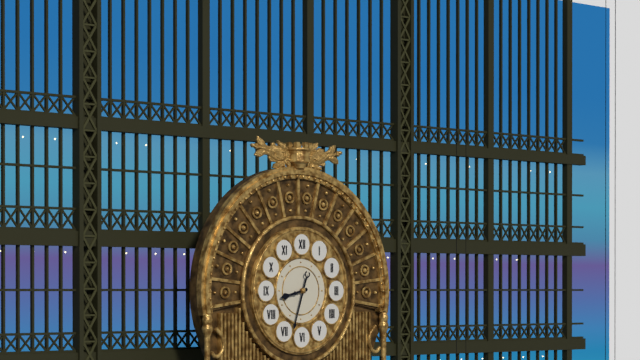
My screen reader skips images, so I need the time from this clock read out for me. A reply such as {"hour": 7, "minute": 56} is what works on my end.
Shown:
{"hour": 8, "minute": 33}
